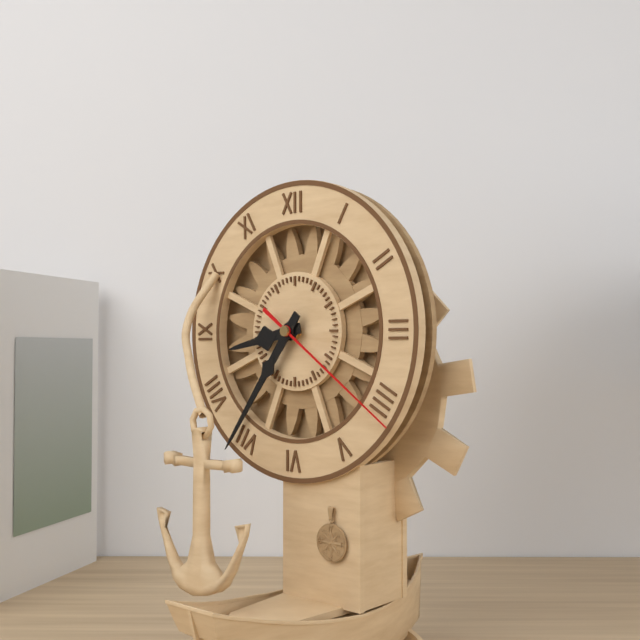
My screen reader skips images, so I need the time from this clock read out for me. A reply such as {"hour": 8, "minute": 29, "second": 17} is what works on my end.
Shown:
{"hour": 8, "minute": 36, "second": 21}
